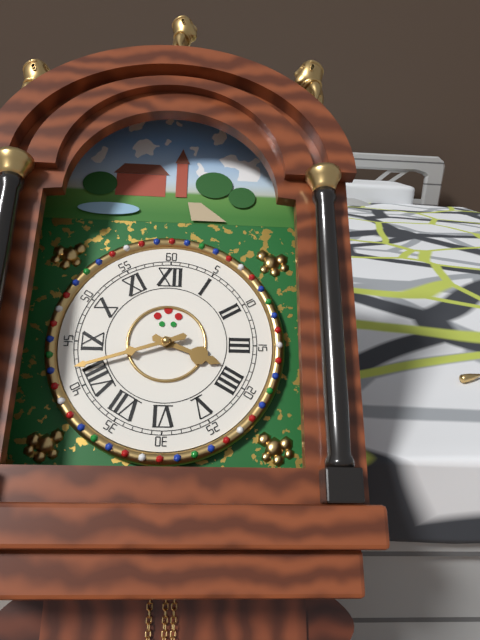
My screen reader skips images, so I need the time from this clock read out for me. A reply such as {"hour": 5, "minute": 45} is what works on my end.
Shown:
{"hour": 3, "minute": 42}
